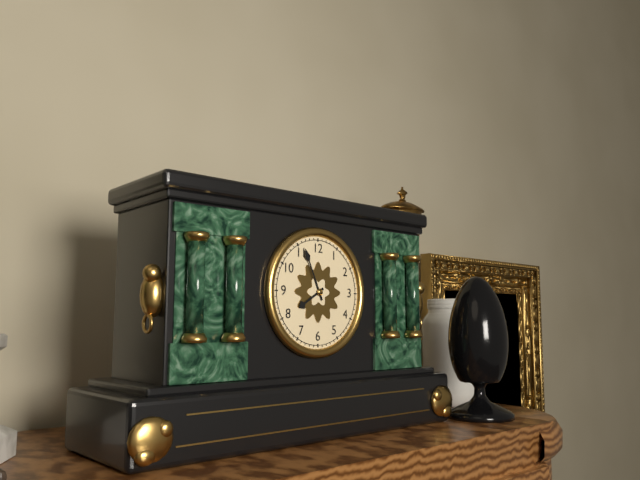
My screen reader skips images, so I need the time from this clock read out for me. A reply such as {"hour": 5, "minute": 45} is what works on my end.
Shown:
{"hour": 7, "minute": 56}
